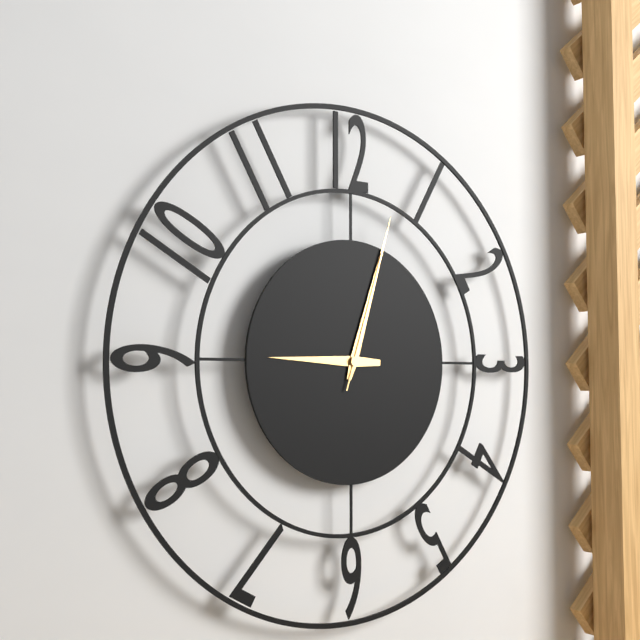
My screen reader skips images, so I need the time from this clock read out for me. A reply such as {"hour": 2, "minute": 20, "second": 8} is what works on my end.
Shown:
{"hour": 9, "minute": 3, "second": 3}
